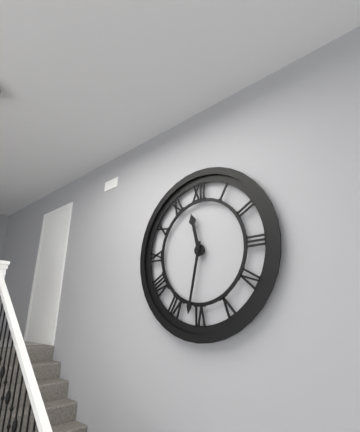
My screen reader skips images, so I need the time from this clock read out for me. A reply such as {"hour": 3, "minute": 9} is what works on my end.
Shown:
{"hour": 11, "minute": 32}
